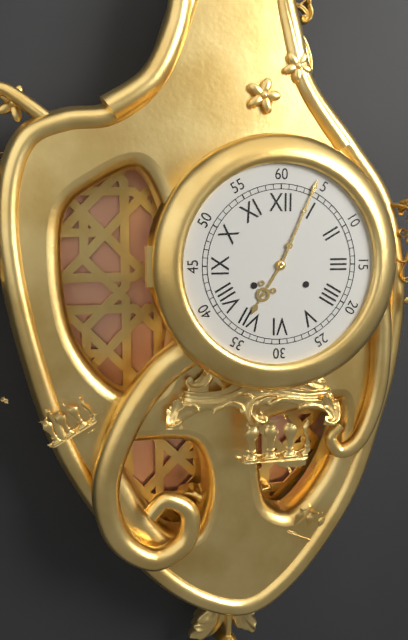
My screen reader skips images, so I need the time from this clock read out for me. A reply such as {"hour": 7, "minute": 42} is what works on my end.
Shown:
{"hour": 7, "minute": 4}
